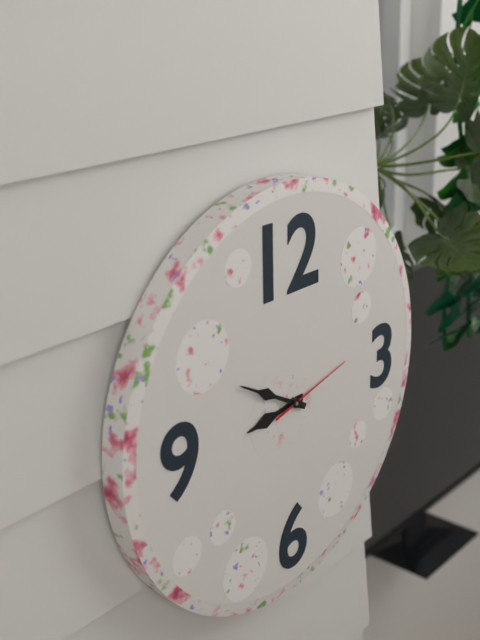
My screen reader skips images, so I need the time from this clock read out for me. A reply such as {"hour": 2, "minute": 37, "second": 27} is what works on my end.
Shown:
{"hour": 8, "minute": 50, "second": 13}
